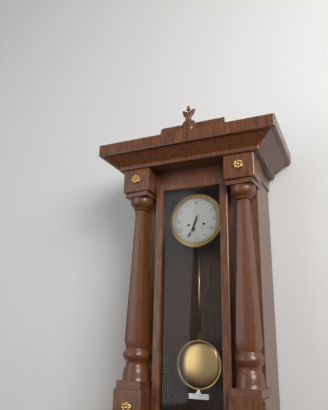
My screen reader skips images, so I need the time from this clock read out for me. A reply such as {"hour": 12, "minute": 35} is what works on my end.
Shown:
{"hour": 6, "minute": 34}
